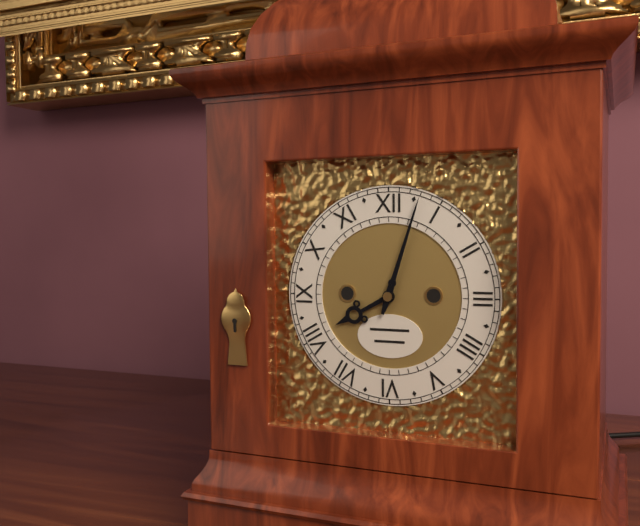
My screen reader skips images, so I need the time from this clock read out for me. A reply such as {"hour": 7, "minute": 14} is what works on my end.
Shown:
{"hour": 8, "minute": 3}
